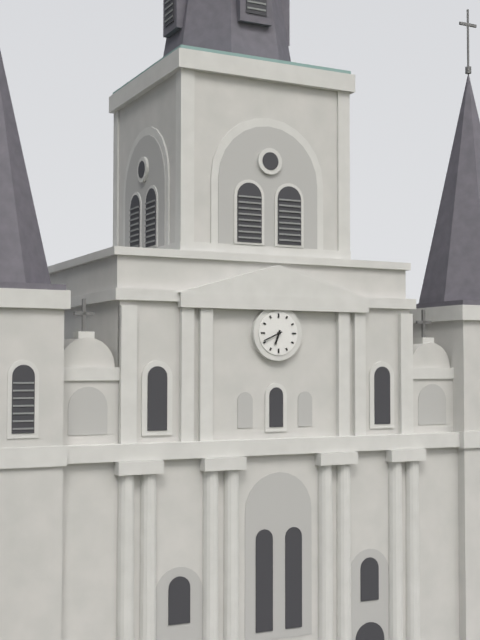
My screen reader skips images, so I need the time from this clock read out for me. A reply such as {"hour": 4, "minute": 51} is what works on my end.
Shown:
{"hour": 6, "minute": 41}
